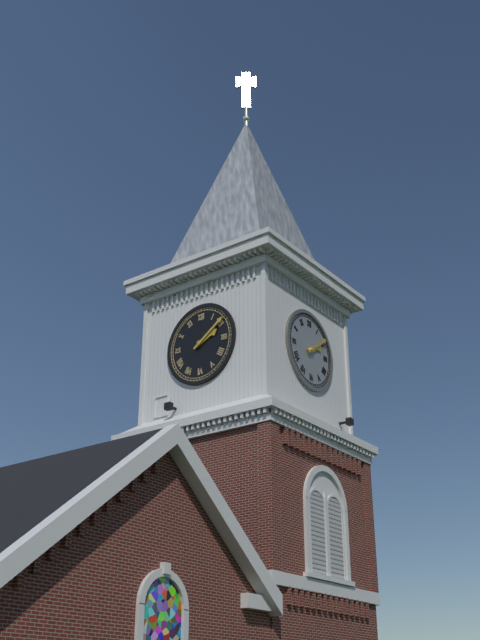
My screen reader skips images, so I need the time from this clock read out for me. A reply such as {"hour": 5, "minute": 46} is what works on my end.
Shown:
{"hour": 2, "minute": 9}
